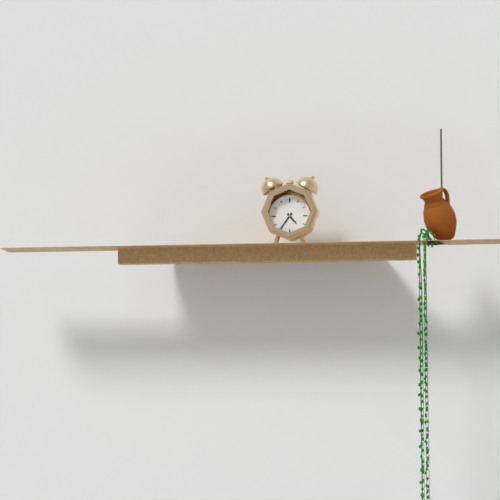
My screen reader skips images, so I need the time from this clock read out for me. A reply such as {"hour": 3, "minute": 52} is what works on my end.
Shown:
{"hour": 4, "minute": 36}
